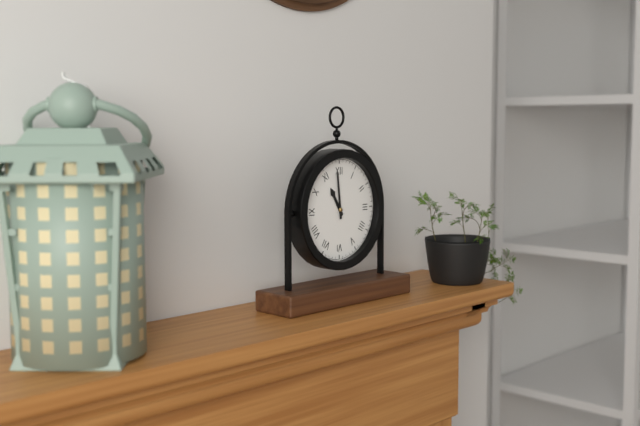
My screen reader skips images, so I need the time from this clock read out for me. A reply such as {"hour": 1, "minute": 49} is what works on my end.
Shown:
{"hour": 10, "minute": 59}
